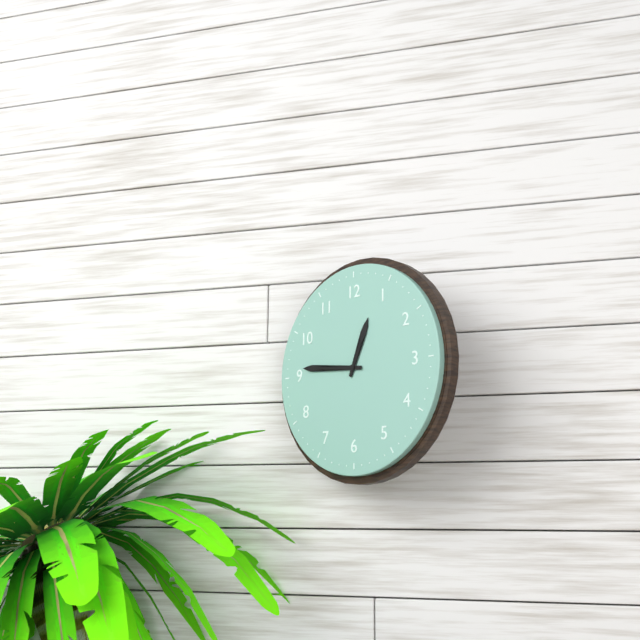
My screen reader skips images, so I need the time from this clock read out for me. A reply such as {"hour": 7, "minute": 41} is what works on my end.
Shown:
{"hour": 12, "minute": 46}
